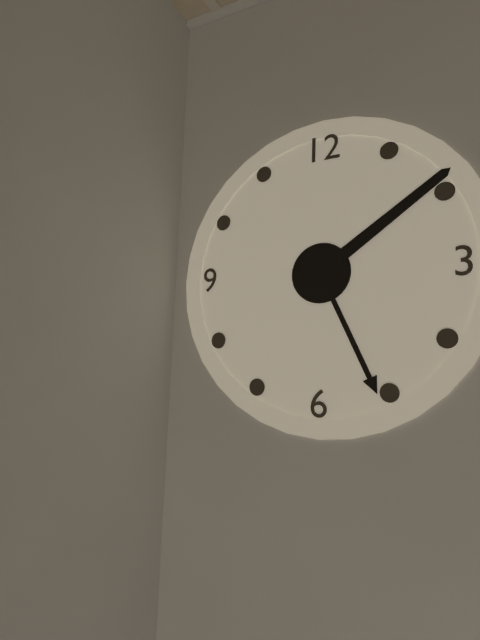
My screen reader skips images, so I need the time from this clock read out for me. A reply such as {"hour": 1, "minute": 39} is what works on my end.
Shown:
{"hour": 5, "minute": 9}
